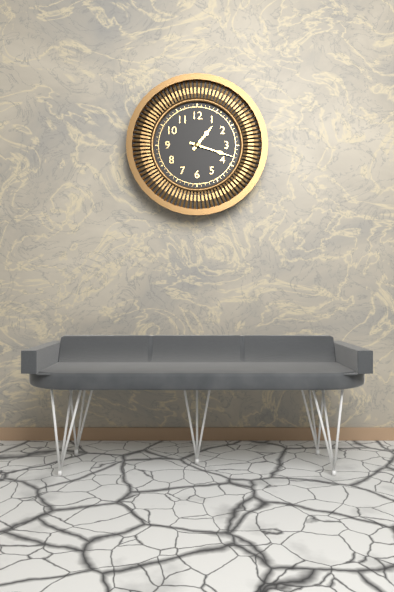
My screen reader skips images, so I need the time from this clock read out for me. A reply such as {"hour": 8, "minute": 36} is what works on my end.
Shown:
{"hour": 1, "minute": 18}
